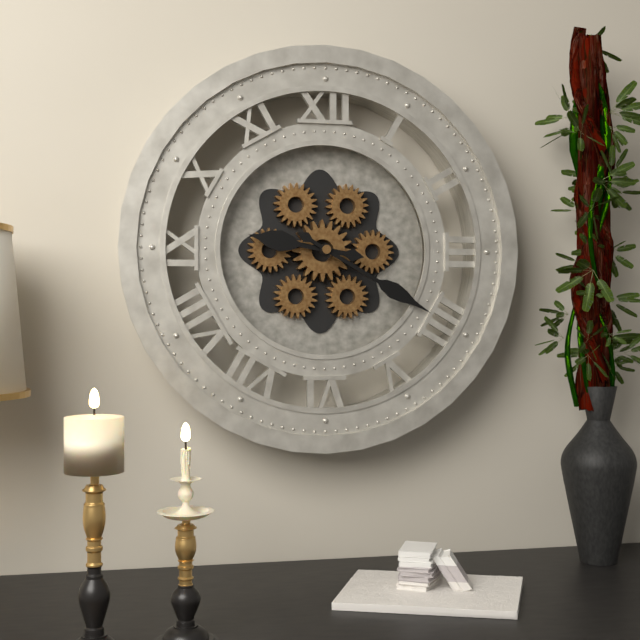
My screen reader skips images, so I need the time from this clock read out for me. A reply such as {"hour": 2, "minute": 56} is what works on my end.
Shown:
{"hour": 9, "minute": 20}
